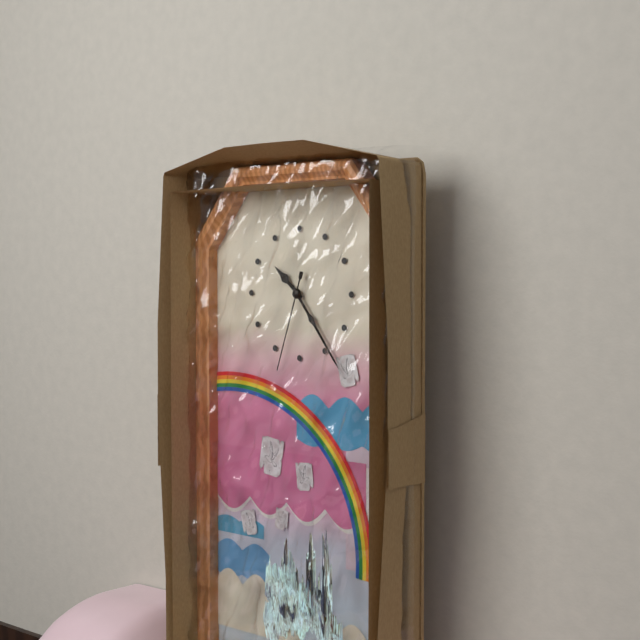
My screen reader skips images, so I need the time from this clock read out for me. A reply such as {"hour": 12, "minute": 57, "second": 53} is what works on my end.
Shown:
{"hour": 10, "minute": 24, "second": 33}
